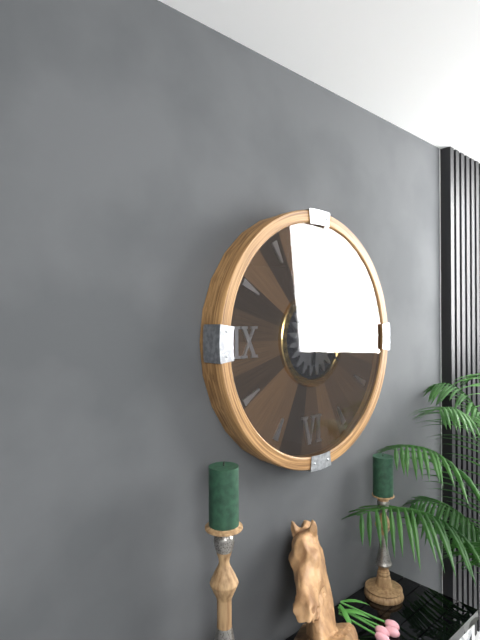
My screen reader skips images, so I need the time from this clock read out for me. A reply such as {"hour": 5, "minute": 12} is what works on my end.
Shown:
{"hour": 4, "minute": 1}
